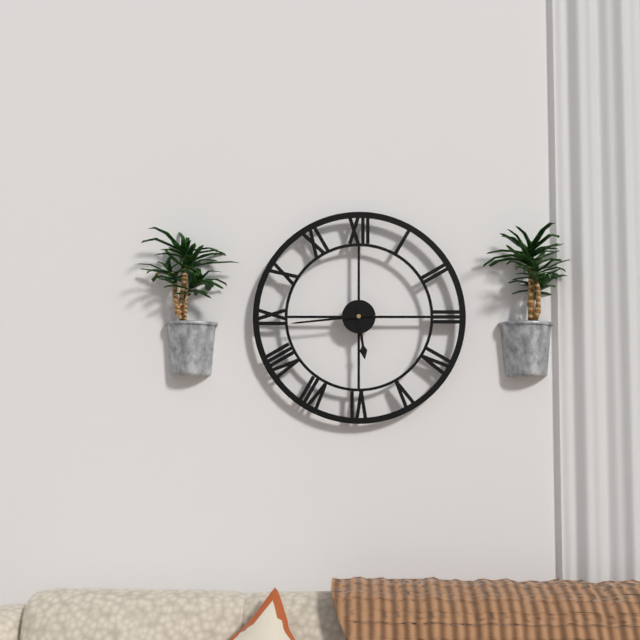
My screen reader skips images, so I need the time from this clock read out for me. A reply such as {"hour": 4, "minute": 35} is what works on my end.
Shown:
{"hour": 5, "minute": 44}
